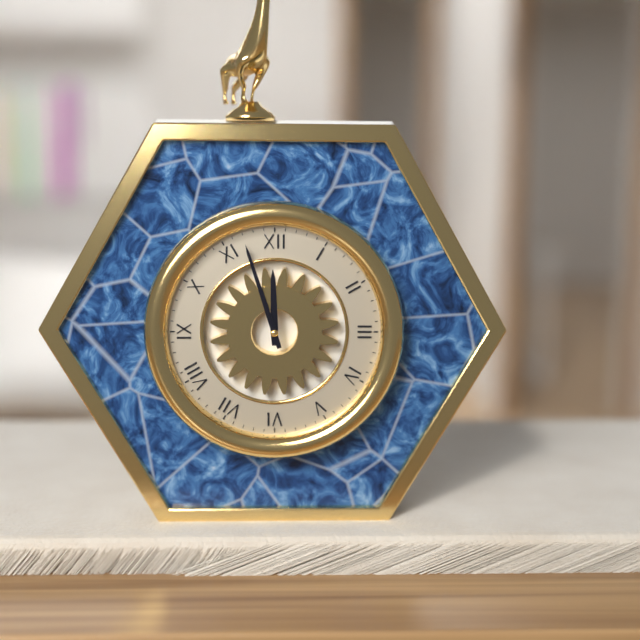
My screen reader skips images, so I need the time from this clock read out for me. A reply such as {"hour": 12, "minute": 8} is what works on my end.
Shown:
{"hour": 11, "minute": 57}
